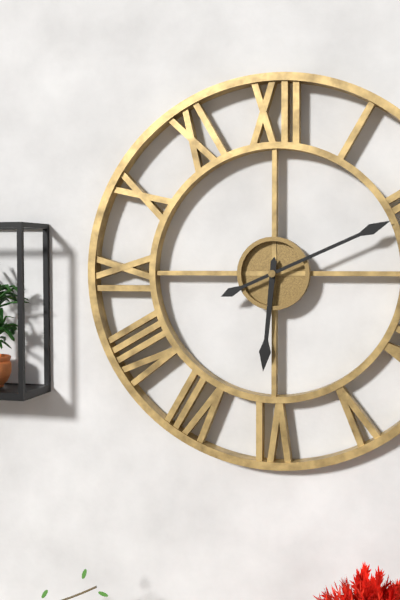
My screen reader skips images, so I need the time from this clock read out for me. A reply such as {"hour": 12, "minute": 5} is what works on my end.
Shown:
{"hour": 6, "minute": 11}
